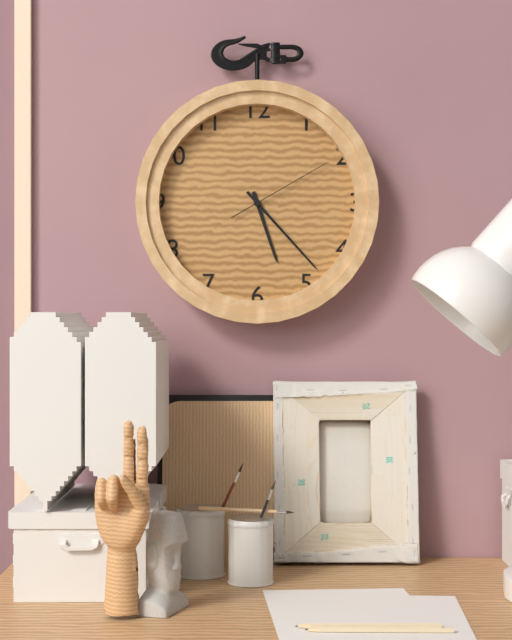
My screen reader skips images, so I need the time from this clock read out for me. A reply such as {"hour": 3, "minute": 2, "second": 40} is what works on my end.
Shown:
{"hour": 5, "minute": 23, "second": 10}
